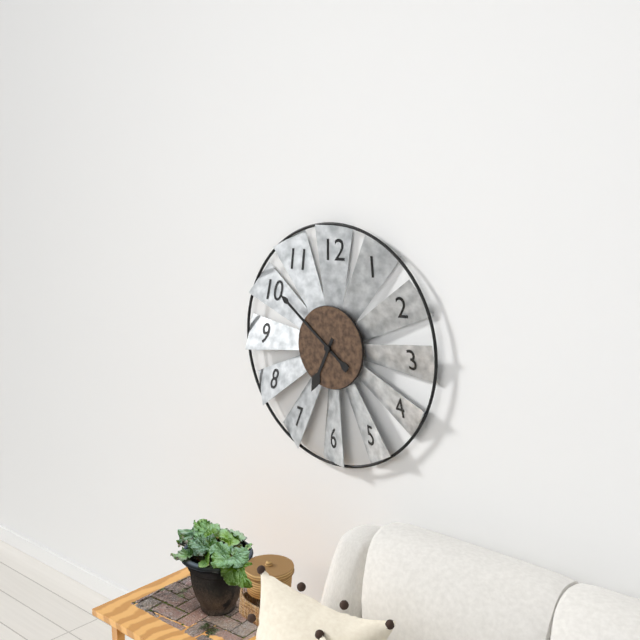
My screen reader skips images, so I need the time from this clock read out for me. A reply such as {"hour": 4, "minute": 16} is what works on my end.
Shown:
{"hour": 6, "minute": 51}
